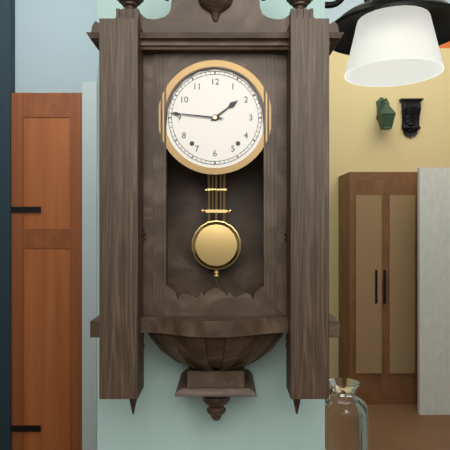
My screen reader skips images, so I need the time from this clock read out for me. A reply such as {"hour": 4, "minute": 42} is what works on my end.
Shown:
{"hour": 1, "minute": 46}
